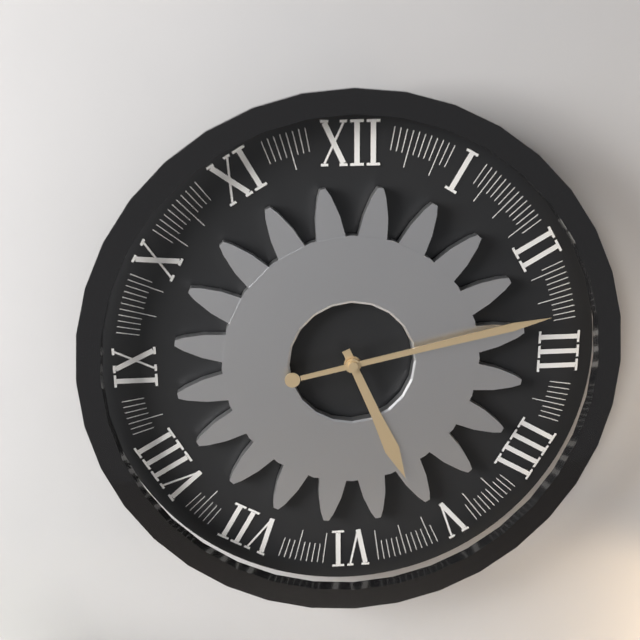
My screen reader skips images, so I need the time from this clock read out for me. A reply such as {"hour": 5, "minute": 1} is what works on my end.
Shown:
{"hour": 5, "minute": 13}
